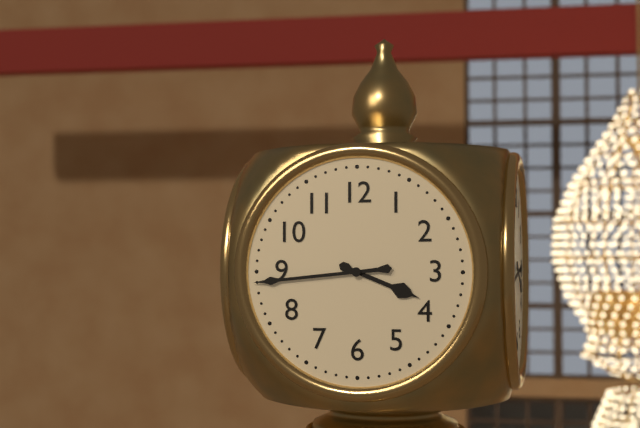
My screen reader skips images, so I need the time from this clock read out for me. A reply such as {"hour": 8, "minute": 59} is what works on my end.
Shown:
{"hour": 3, "minute": 44}
